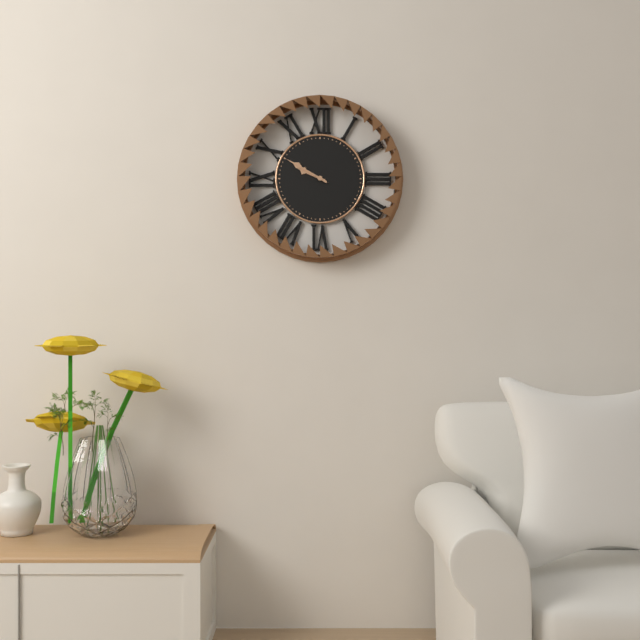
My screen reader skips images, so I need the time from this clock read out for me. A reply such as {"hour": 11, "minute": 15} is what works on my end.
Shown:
{"hour": 9, "minute": 50}
